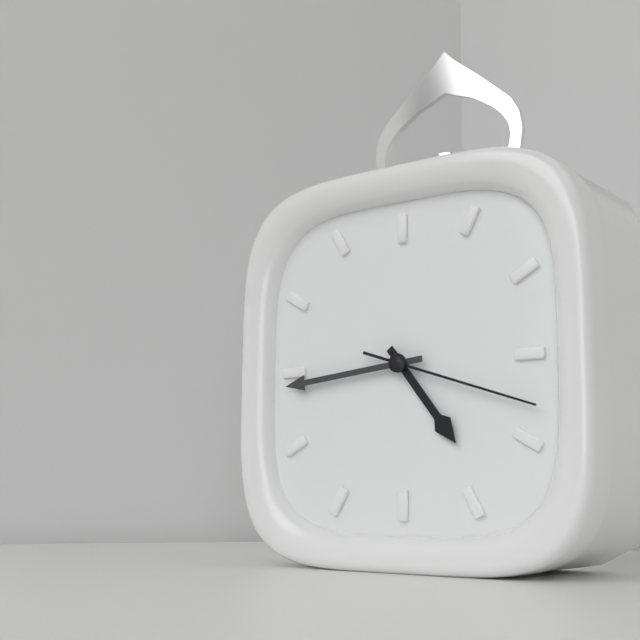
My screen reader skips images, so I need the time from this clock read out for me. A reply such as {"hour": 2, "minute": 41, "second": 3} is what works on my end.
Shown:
{"hour": 4, "minute": 44, "second": 18}
